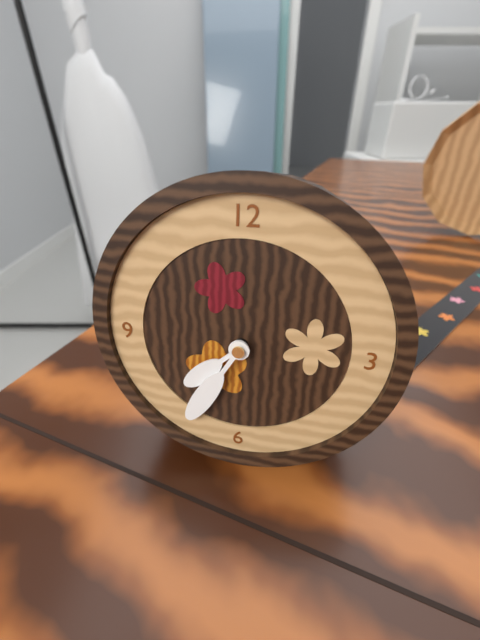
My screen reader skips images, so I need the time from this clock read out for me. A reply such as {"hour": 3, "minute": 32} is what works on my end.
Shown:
{"hour": 7, "minute": 35}
